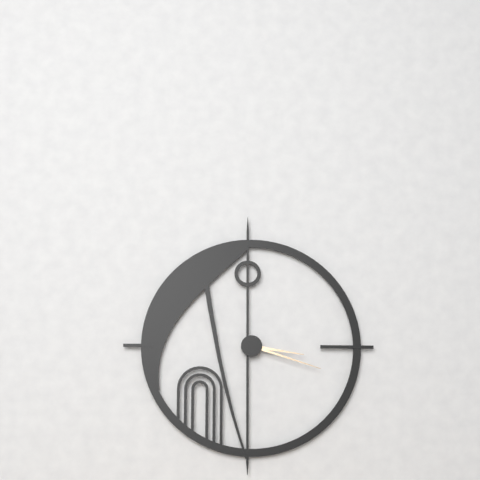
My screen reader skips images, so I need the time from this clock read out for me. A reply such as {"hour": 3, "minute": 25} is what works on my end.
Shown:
{"hour": 3, "minute": 18}
